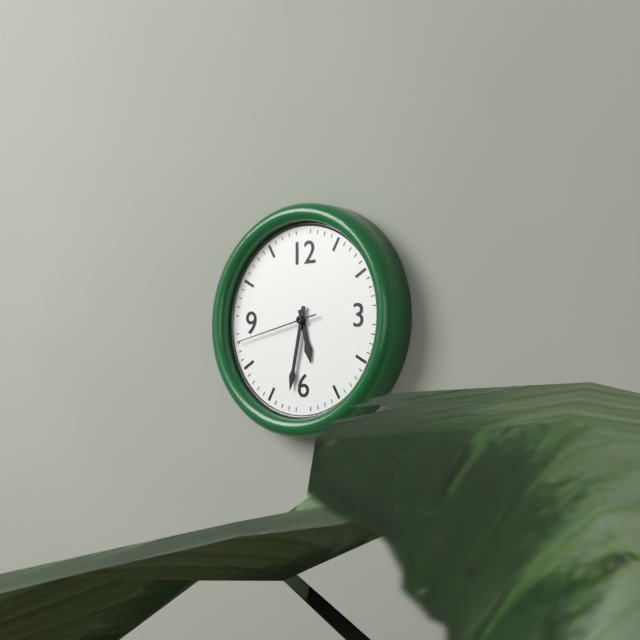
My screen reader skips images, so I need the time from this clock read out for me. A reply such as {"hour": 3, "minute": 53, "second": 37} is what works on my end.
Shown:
{"hour": 5, "minute": 32, "second": 43}
